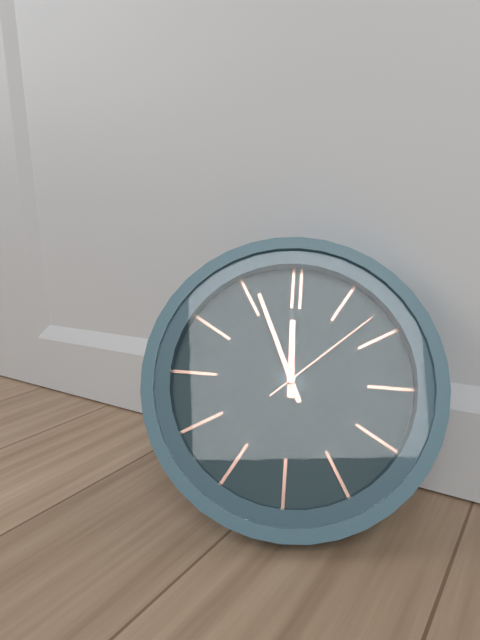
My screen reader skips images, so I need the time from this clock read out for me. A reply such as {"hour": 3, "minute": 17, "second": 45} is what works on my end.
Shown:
{"hour": 11, "minute": 56, "second": 8}
